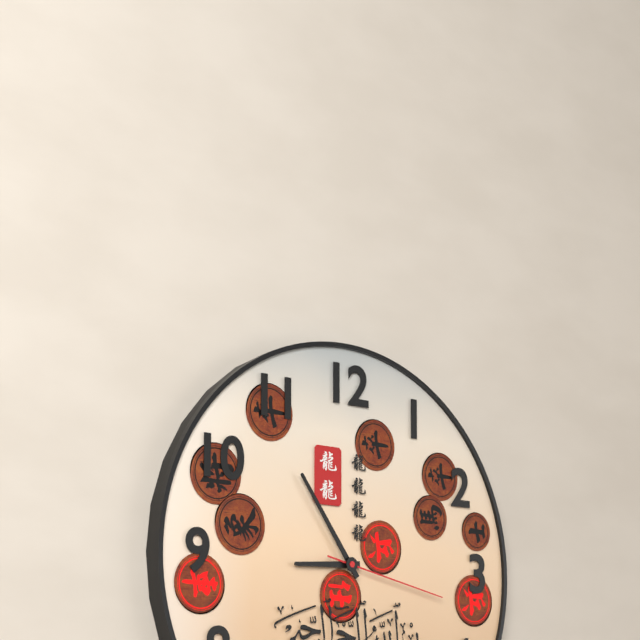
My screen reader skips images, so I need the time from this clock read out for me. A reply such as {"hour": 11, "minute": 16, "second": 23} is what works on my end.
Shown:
{"hour": 8, "minute": 54, "second": 17}
